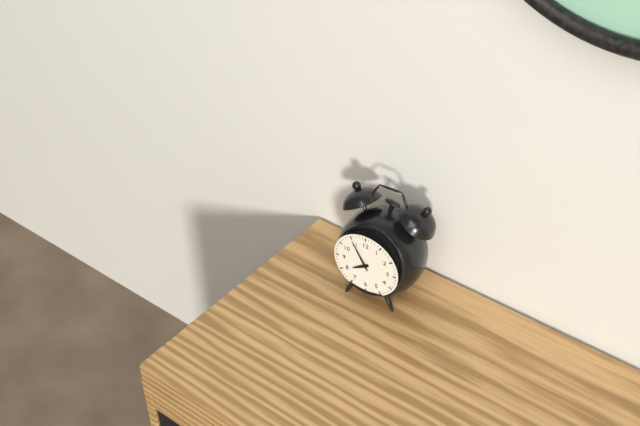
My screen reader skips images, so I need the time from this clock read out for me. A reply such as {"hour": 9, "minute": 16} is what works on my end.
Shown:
{"hour": 7, "minute": 55}
